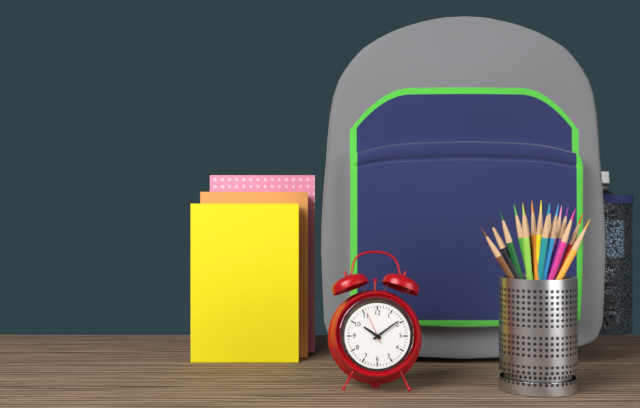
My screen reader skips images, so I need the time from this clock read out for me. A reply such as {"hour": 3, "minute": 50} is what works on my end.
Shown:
{"hour": 10, "minute": 9}
